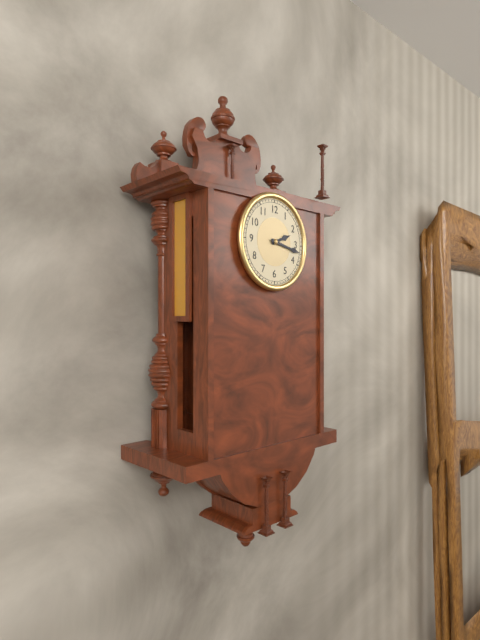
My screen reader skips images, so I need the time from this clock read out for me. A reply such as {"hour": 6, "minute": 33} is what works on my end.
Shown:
{"hour": 2, "minute": 17}
